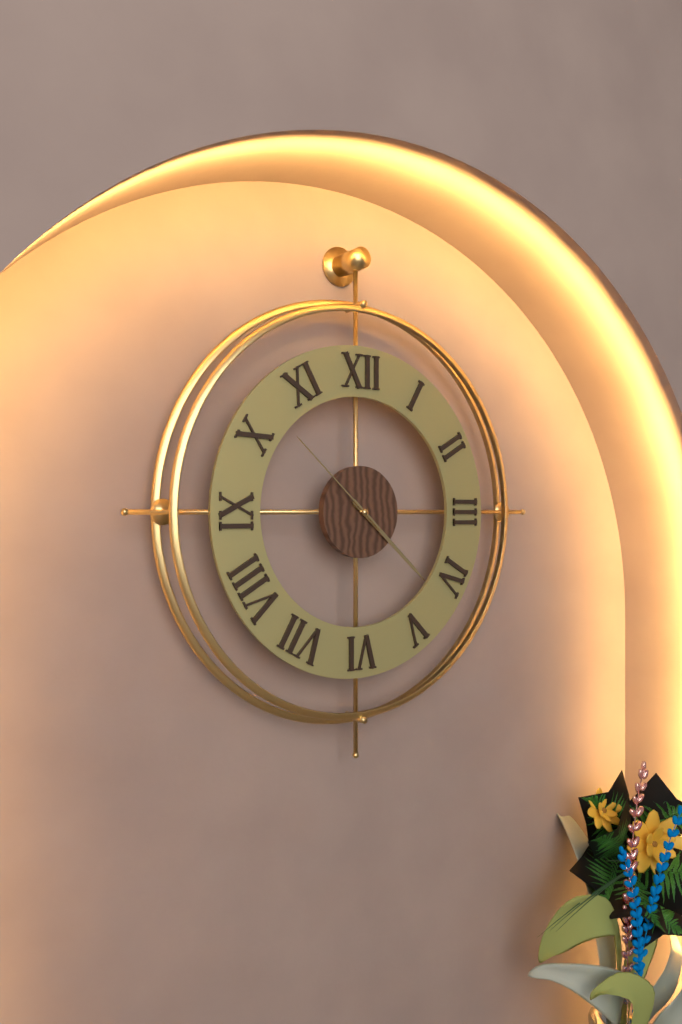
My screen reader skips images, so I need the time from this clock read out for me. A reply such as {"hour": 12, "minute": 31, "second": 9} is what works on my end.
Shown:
{"hour": 4, "minute": 22, "second": 52}
